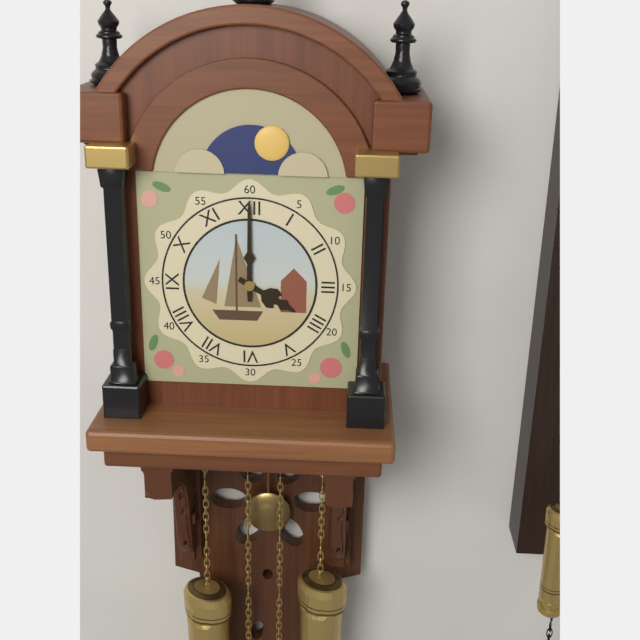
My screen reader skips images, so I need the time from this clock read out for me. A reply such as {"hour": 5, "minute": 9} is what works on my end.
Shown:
{"hour": 4, "minute": 0}
